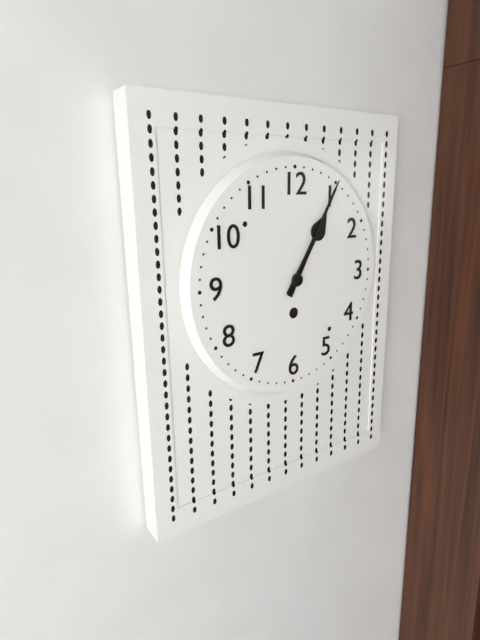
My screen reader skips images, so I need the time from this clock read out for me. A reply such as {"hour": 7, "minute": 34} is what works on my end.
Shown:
{"hour": 1, "minute": 5}
